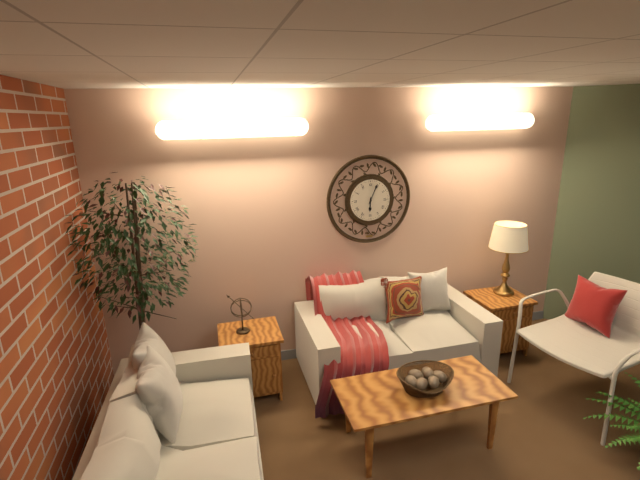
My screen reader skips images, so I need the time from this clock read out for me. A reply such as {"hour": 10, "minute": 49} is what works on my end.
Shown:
{"hour": 6, "minute": 4}
